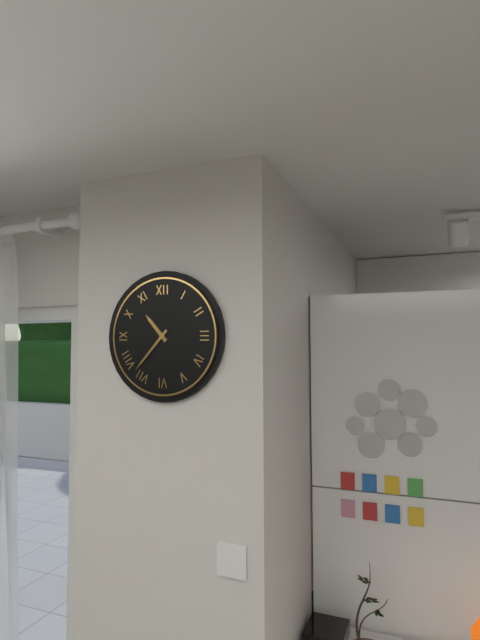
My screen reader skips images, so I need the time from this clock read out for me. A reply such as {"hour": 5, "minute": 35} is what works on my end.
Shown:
{"hour": 10, "minute": 37}
